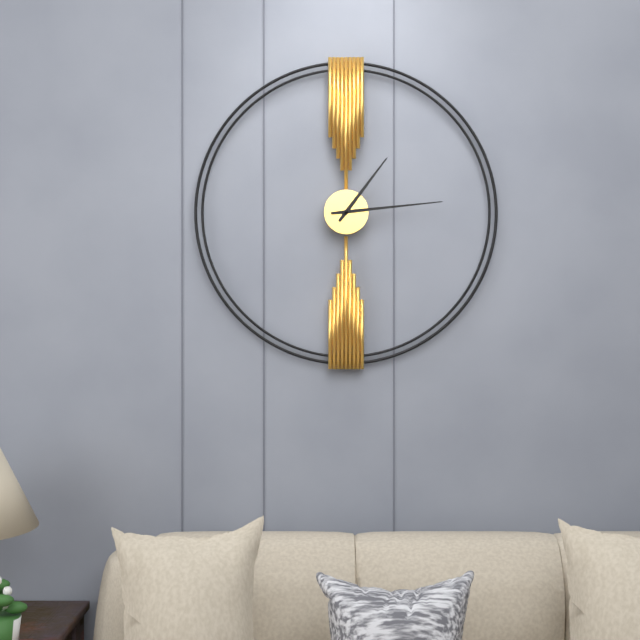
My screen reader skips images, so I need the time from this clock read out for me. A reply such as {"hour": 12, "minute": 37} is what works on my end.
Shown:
{"hour": 1, "minute": 14}
